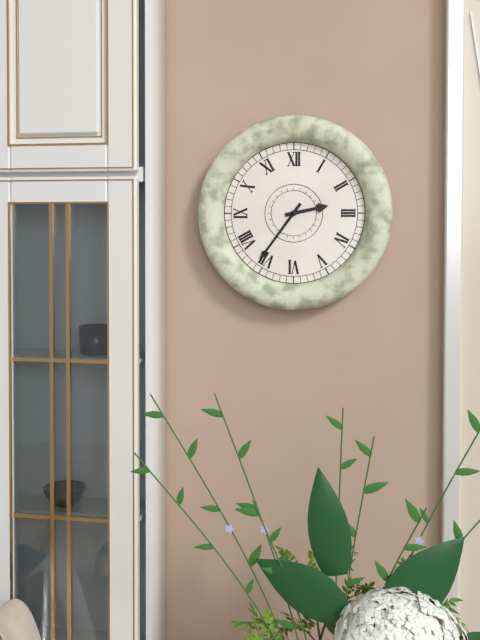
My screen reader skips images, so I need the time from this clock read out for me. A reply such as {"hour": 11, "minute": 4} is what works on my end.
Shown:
{"hour": 2, "minute": 36}
